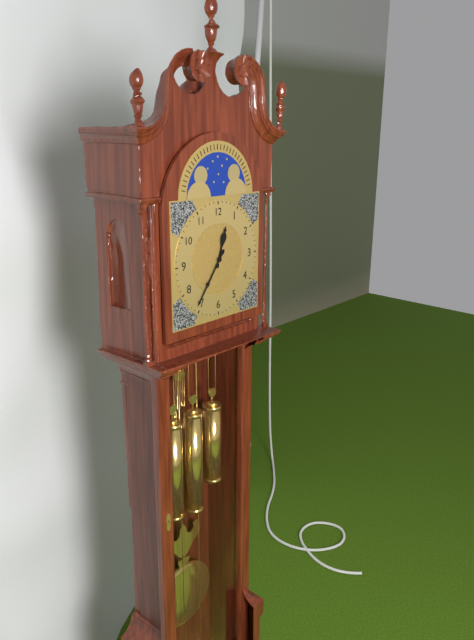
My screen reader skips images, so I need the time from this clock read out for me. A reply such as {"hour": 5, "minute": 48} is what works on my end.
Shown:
{"hour": 12, "minute": 36}
